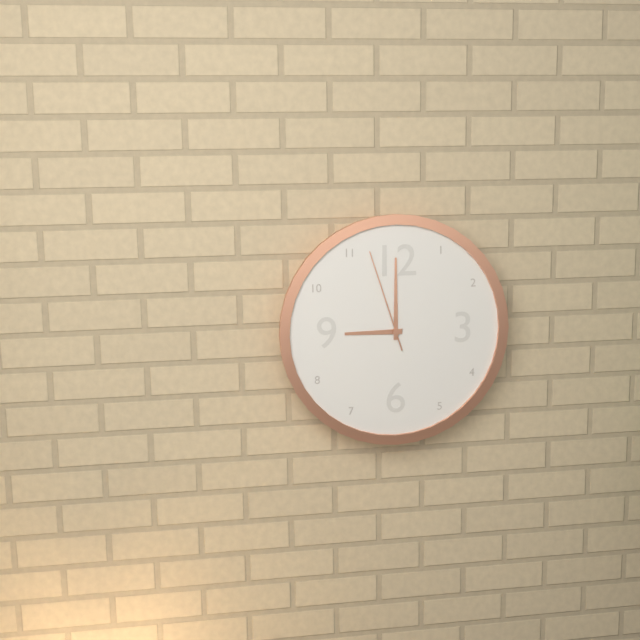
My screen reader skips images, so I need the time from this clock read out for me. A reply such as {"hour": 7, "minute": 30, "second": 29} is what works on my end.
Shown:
{"hour": 9, "minute": 0, "second": 57}
